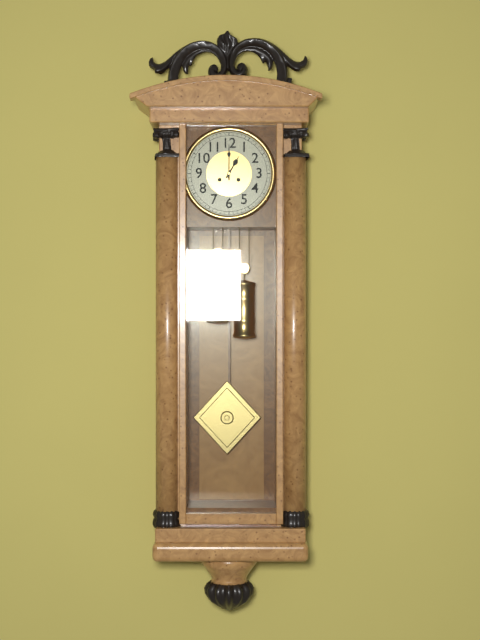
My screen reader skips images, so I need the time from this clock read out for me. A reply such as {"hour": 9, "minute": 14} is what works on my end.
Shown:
{"hour": 1, "minute": 0}
